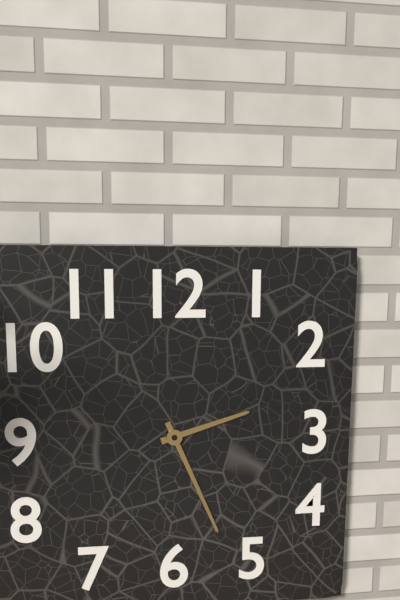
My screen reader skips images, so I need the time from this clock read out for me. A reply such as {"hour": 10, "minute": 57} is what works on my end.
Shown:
{"hour": 2, "minute": 26}
